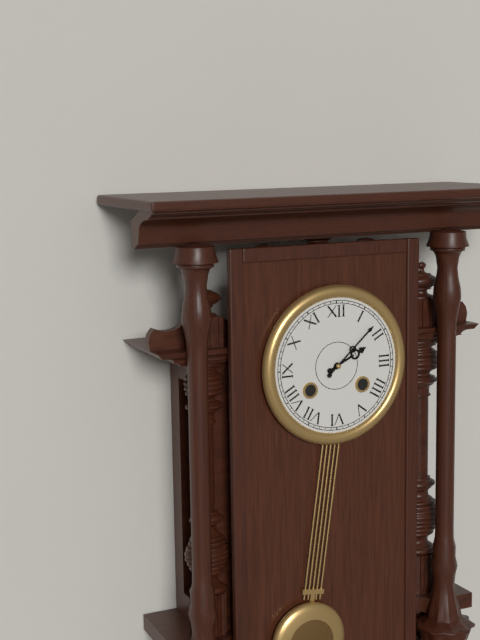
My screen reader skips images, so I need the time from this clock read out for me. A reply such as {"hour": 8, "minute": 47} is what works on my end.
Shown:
{"hour": 2, "minute": 8}
